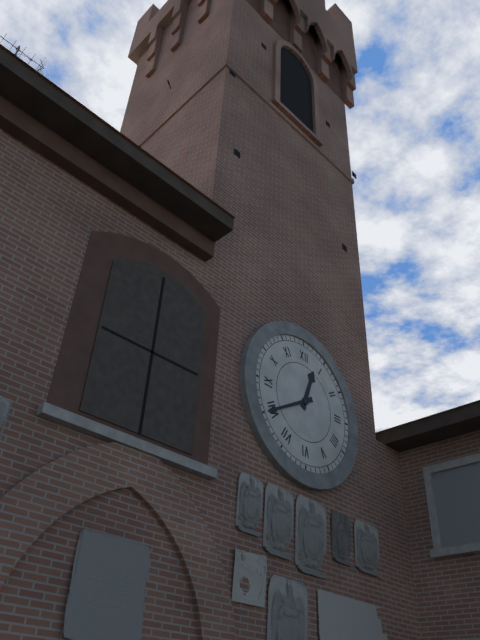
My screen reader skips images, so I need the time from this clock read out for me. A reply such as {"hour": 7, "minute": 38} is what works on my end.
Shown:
{"hour": 12, "minute": 40}
